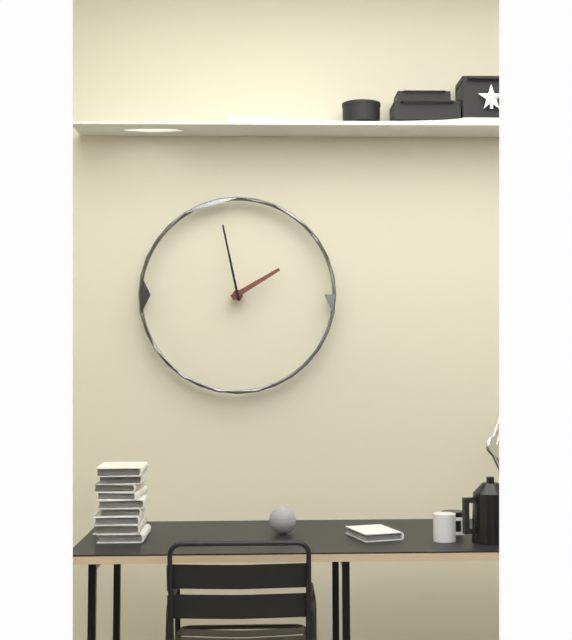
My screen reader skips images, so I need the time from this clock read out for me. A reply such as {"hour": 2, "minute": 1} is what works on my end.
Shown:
{"hour": 1, "minute": 58}
